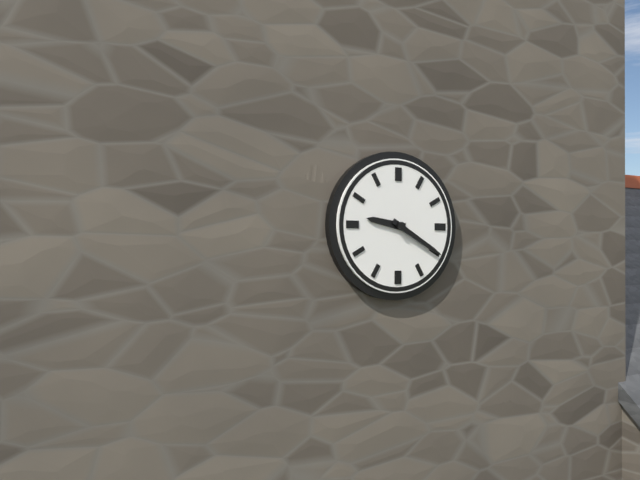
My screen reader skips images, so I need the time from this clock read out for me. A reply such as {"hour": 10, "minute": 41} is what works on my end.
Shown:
{"hour": 9, "minute": 20}
